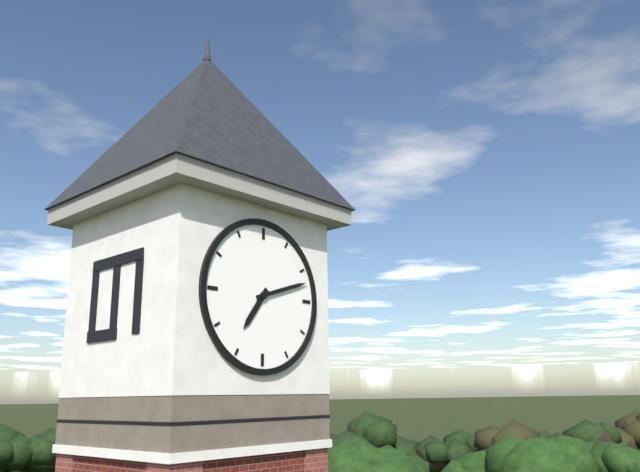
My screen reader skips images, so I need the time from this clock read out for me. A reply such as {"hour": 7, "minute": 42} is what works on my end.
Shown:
{"hour": 7, "minute": 12}
